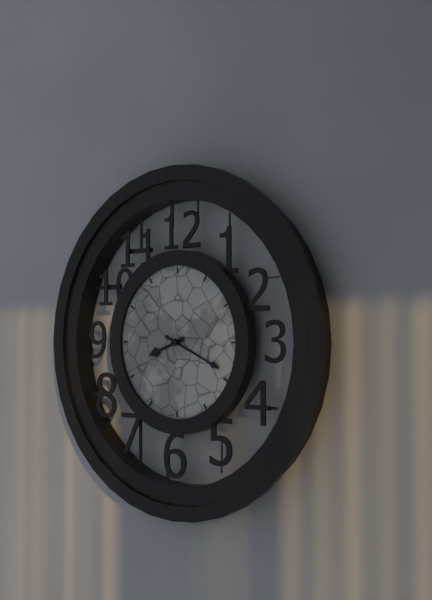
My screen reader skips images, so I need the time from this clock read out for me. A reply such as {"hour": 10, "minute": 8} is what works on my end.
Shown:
{"hour": 8, "minute": 19}
